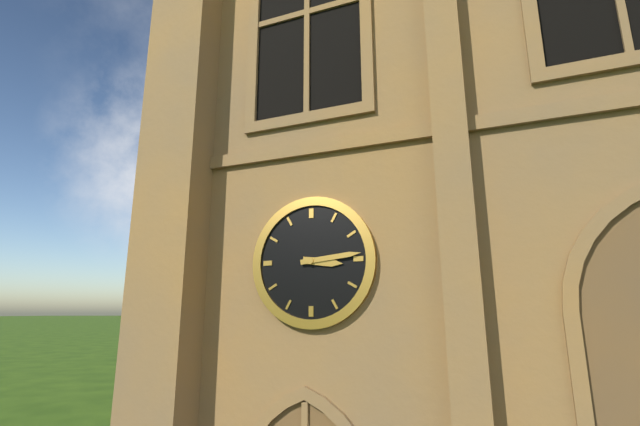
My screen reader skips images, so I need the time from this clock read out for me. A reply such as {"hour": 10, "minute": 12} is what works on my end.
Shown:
{"hour": 3, "minute": 14}
